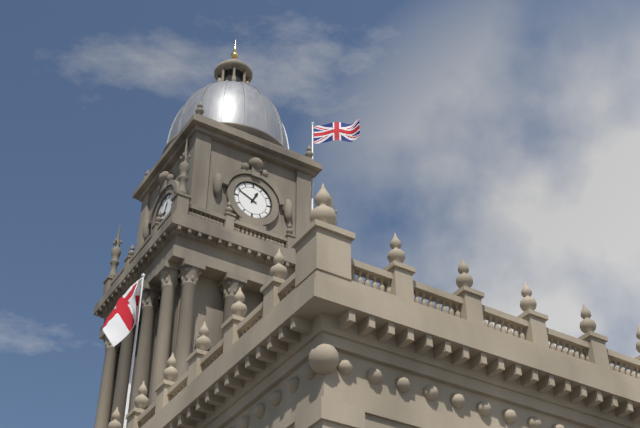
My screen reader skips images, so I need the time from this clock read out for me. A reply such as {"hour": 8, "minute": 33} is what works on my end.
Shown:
{"hour": 12, "minute": 49}
